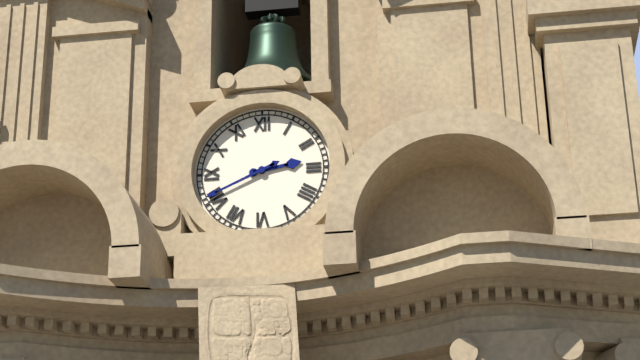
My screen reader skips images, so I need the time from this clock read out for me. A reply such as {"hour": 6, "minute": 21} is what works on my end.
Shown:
{"hour": 2, "minute": 41}
